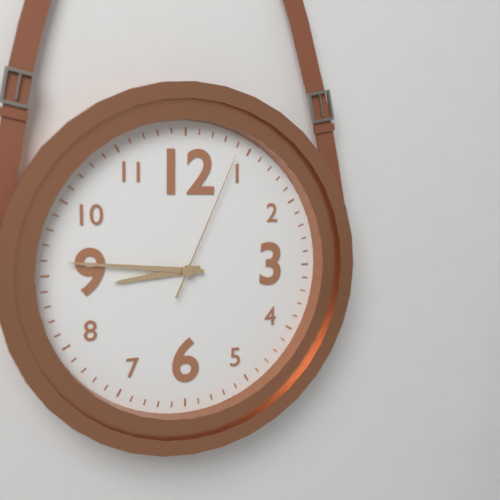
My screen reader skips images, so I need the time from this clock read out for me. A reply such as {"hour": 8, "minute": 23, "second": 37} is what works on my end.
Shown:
{"hour": 8, "minute": 46, "second": 4}
